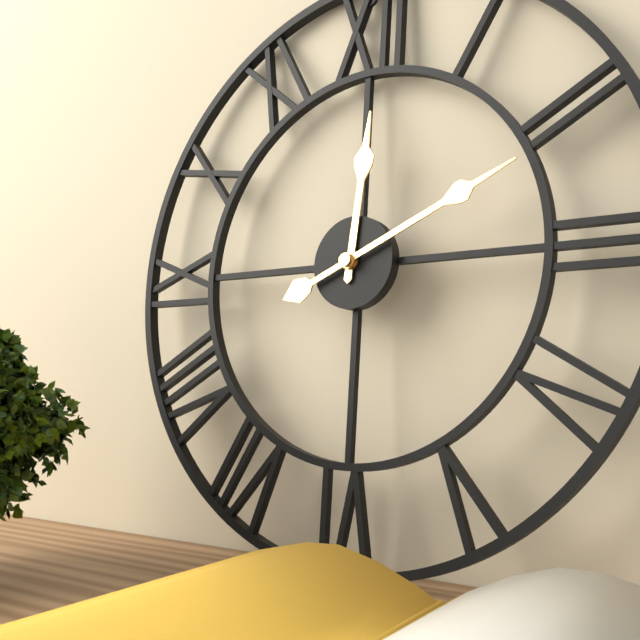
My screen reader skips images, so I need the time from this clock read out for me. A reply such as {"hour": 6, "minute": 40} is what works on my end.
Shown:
{"hour": 12, "minute": 11}
